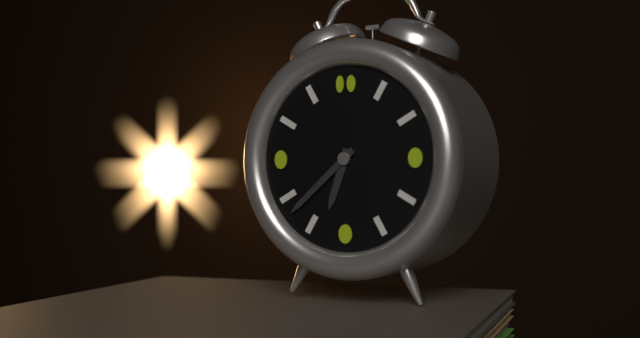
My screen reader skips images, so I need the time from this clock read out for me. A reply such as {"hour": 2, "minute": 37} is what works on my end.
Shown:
{"hour": 6, "minute": 38}
